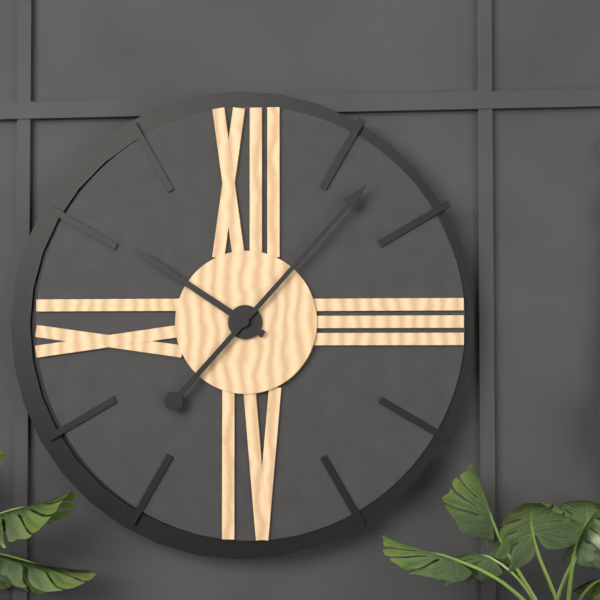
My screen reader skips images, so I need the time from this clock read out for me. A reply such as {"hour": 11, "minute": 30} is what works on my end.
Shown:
{"hour": 10, "minute": 7}
